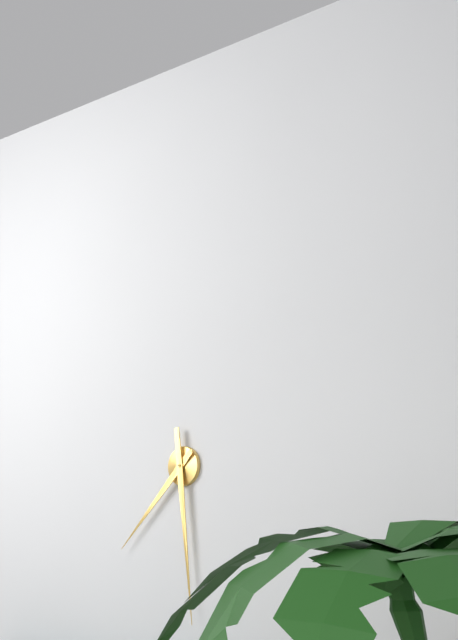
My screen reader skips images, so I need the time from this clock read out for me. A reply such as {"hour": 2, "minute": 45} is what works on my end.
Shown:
{"hour": 7, "minute": 29}
